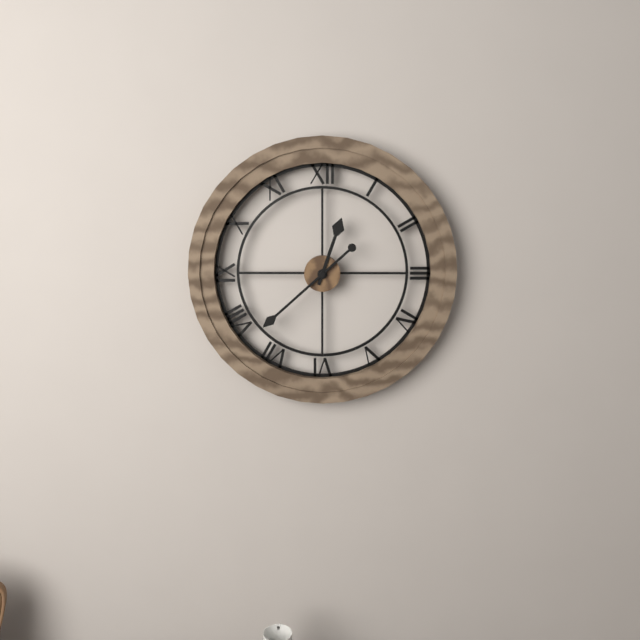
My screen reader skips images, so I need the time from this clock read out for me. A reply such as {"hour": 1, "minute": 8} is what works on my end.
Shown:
{"hour": 12, "minute": 38}
